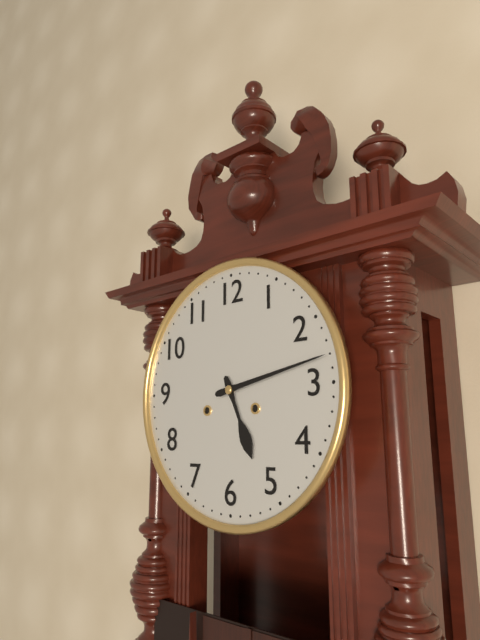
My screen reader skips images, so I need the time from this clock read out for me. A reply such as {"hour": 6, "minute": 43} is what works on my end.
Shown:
{"hour": 5, "minute": 13}
